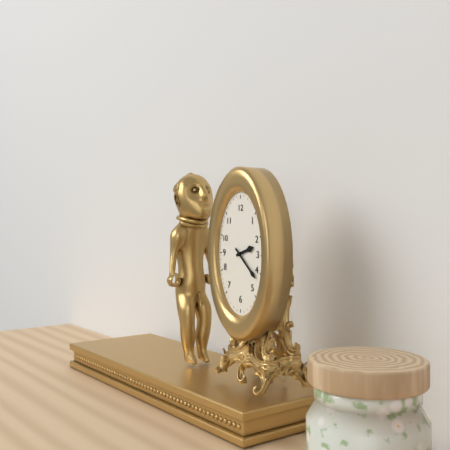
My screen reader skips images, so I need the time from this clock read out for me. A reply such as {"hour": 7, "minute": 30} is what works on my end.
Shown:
{"hour": 2, "minute": 22}
